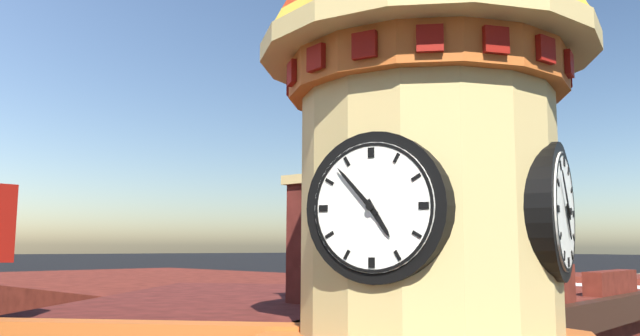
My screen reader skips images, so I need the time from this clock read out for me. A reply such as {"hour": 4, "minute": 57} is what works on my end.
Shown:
{"hour": 4, "minute": 53}
